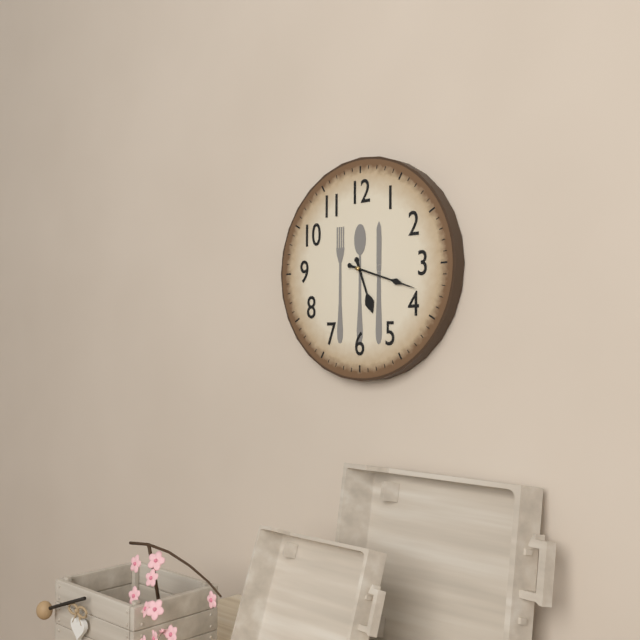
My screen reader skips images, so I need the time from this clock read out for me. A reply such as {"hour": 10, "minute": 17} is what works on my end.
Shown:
{"hour": 5, "minute": 18}
